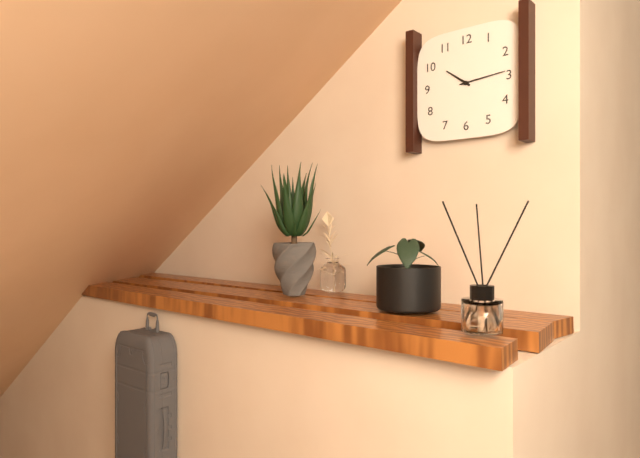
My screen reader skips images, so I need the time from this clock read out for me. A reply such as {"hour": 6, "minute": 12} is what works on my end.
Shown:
{"hour": 10, "minute": 14}
